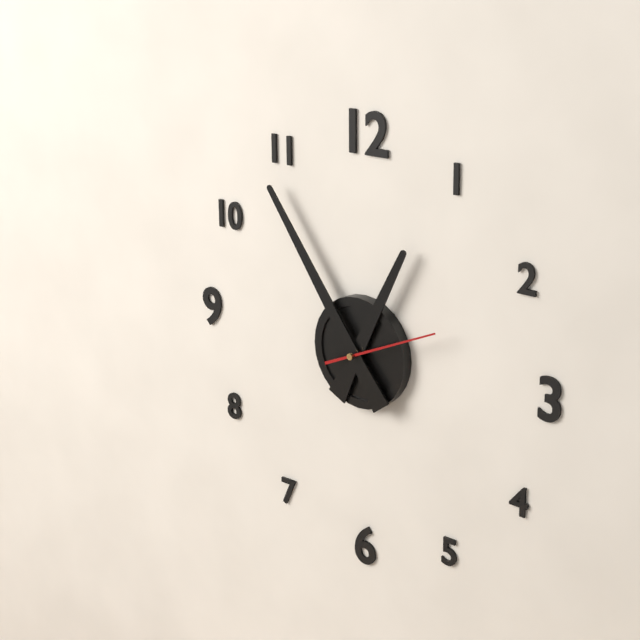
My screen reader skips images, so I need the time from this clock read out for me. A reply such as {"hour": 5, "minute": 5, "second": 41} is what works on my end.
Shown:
{"hour": 12, "minute": 54, "second": 11}
